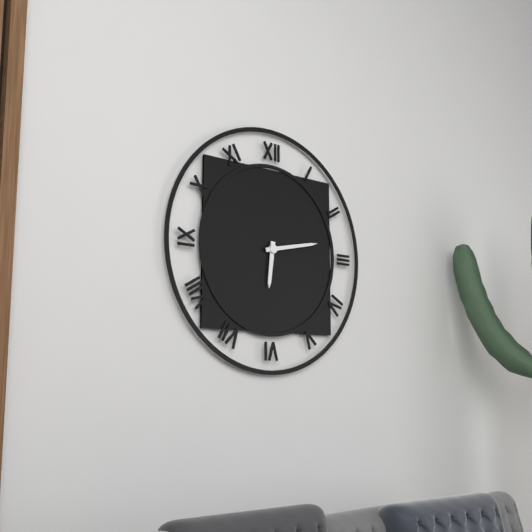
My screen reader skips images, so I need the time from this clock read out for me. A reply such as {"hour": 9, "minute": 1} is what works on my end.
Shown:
{"hour": 6, "minute": 13}
